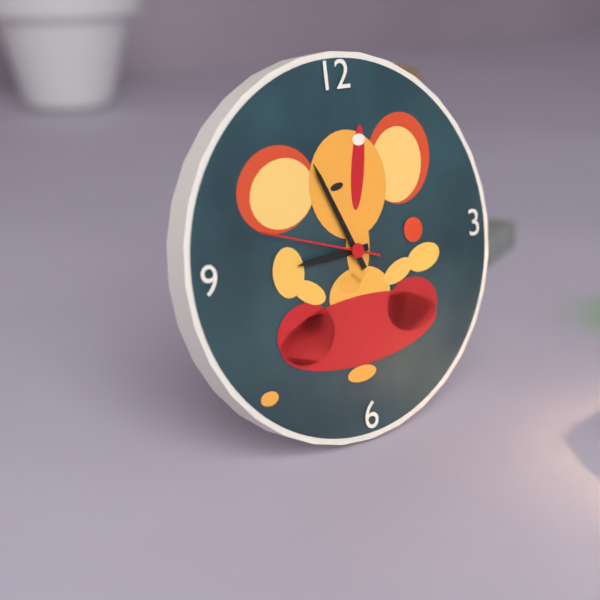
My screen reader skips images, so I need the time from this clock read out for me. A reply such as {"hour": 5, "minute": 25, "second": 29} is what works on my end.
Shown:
{"hour": 8, "minute": 56, "second": 48}
